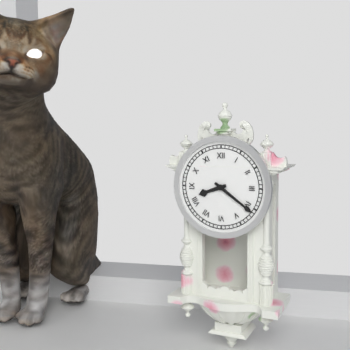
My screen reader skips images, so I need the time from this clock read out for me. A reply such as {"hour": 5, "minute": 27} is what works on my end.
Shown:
{"hour": 8, "minute": 21}
